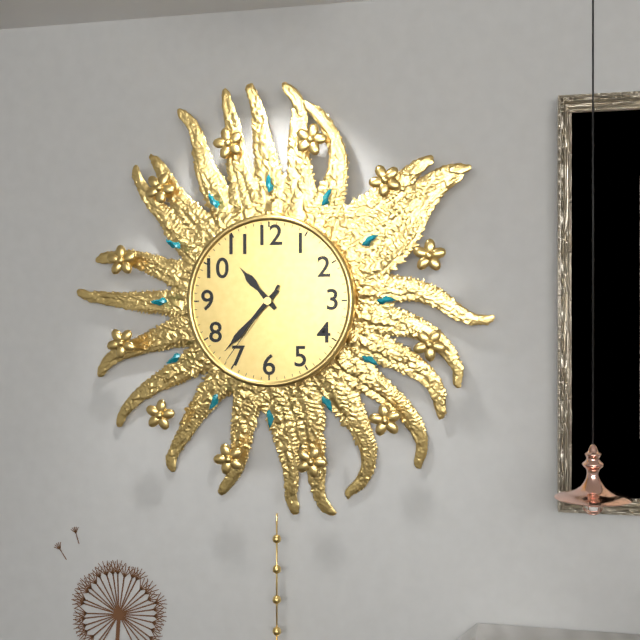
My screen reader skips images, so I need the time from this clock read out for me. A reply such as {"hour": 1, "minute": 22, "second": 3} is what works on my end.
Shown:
{"hour": 10, "minute": 37, "second": 36}
